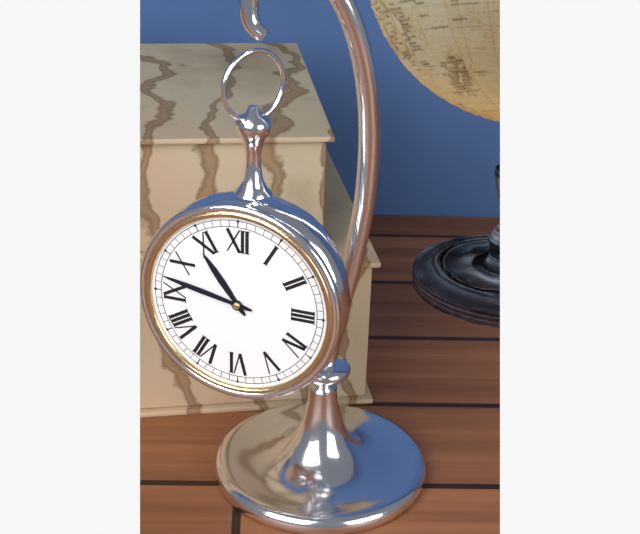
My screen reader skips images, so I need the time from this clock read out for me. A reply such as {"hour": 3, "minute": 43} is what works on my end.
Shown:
{"hour": 10, "minute": 47}
